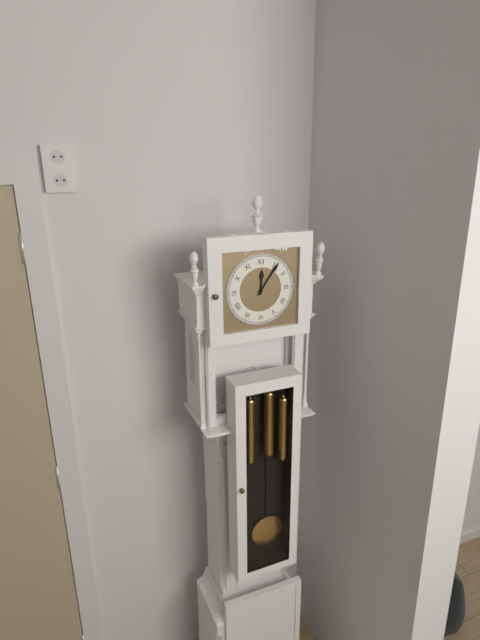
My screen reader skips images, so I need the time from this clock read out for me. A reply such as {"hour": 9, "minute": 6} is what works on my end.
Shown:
{"hour": 12, "minute": 6}
